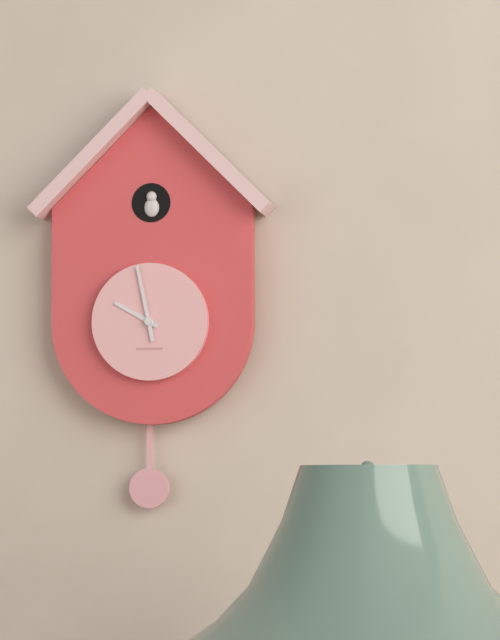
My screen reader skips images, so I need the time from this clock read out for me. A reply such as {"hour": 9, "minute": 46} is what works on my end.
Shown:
{"hour": 9, "minute": 58}
